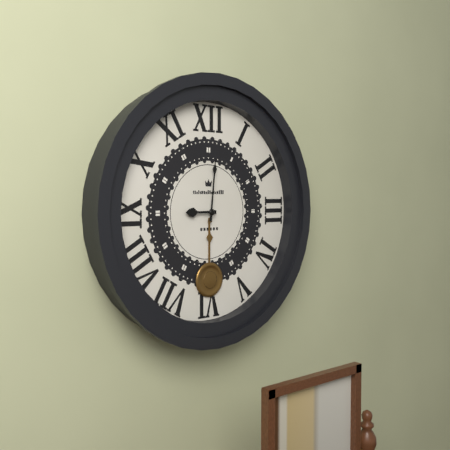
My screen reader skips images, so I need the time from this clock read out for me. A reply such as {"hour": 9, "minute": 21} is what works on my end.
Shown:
{"hour": 9, "minute": 1}
